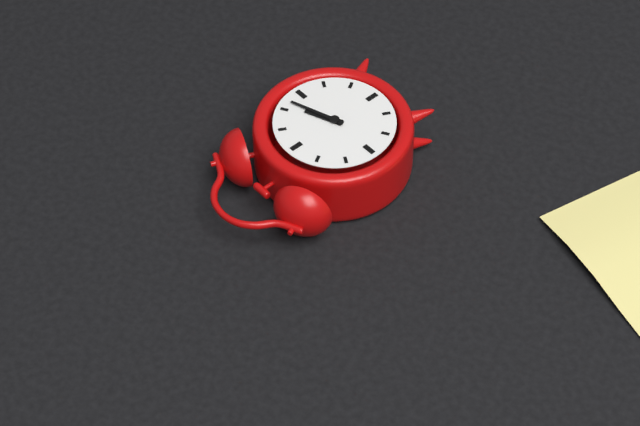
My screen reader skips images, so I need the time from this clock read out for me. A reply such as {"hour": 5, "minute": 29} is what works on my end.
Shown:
{"hour": 2, "minute": 12}
